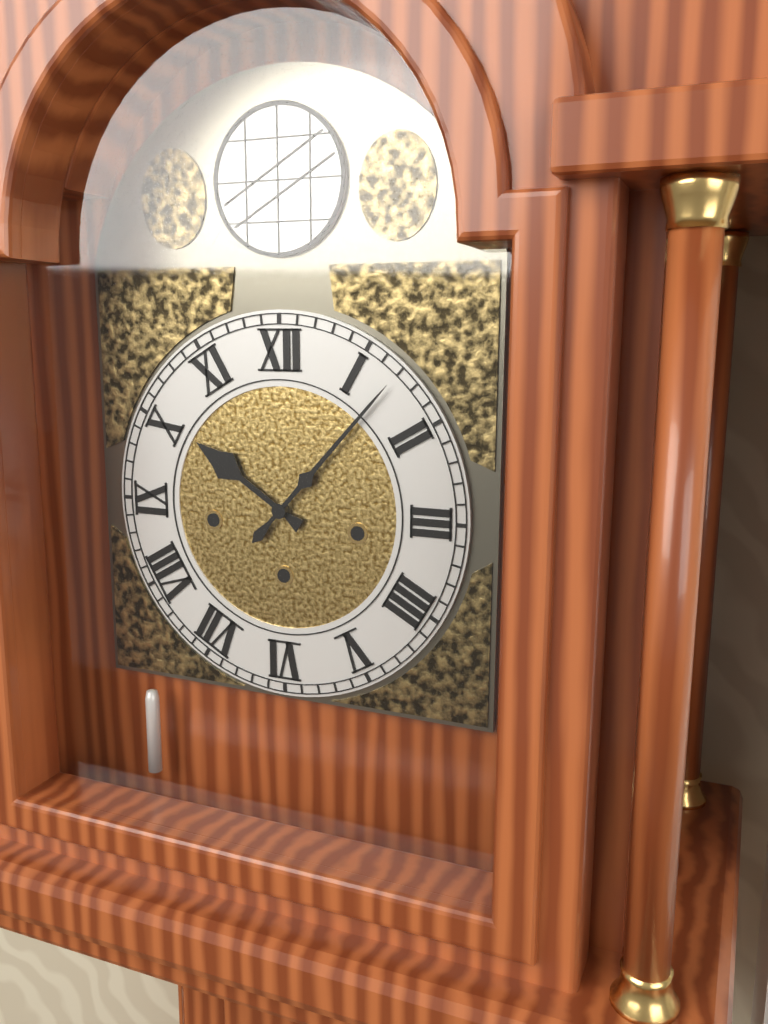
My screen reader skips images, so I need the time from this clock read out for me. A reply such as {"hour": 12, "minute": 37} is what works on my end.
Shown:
{"hour": 10, "minute": 7}
